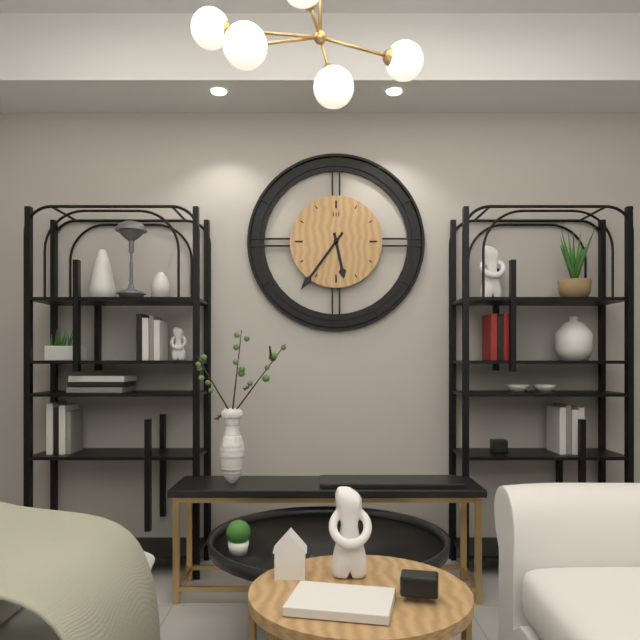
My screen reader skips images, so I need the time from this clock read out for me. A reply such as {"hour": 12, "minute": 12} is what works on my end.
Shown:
{"hour": 5, "minute": 36}
